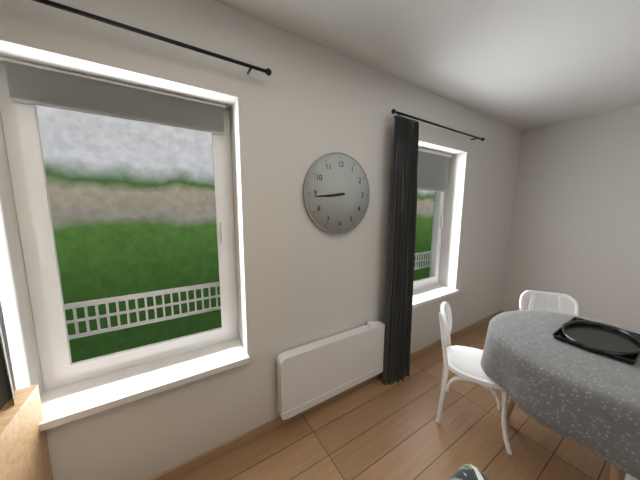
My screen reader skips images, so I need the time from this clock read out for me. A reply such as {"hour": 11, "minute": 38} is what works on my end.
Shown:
{"hour": 8, "minute": 44}
